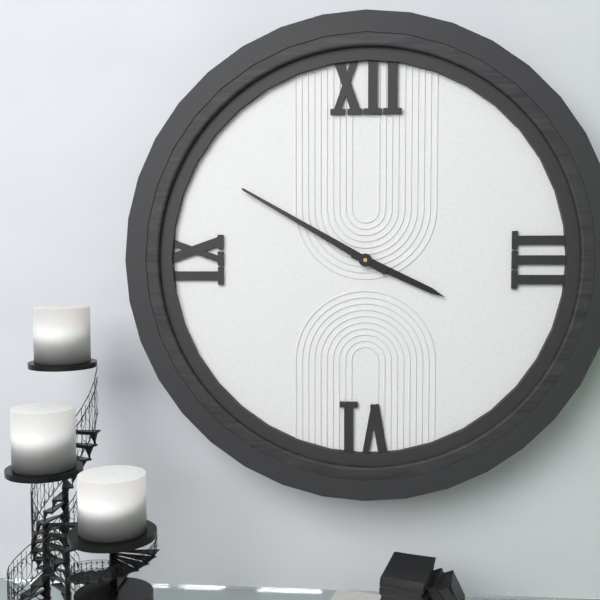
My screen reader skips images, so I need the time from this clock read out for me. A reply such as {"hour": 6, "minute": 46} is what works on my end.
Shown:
{"hour": 3, "minute": 50}
